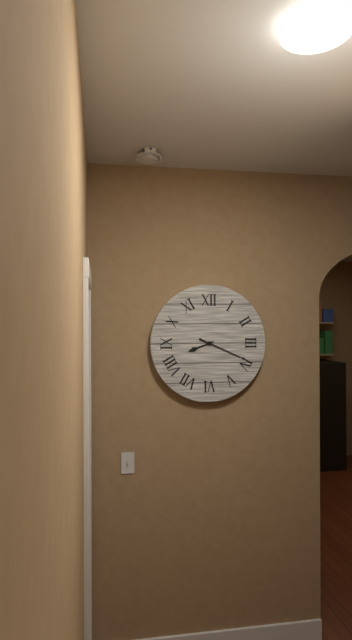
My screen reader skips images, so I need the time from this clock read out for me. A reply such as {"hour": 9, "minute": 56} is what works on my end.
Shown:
{"hour": 8, "minute": 19}
